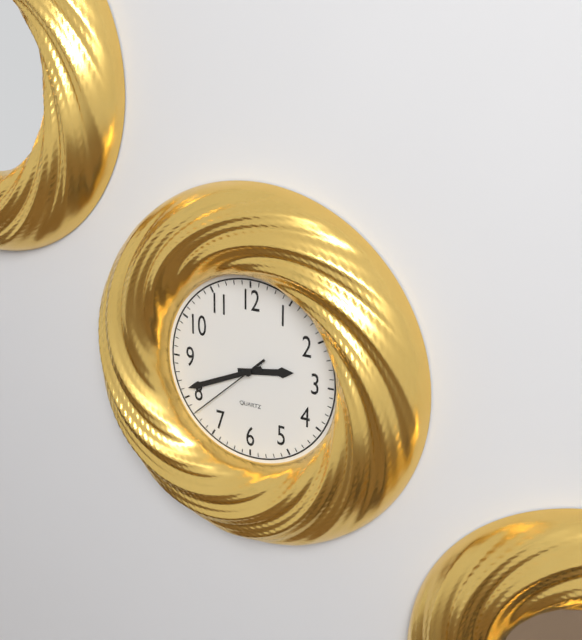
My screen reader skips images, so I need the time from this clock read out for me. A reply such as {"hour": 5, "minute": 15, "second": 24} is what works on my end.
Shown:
{"hour": 2, "minute": 41, "second": 38}
